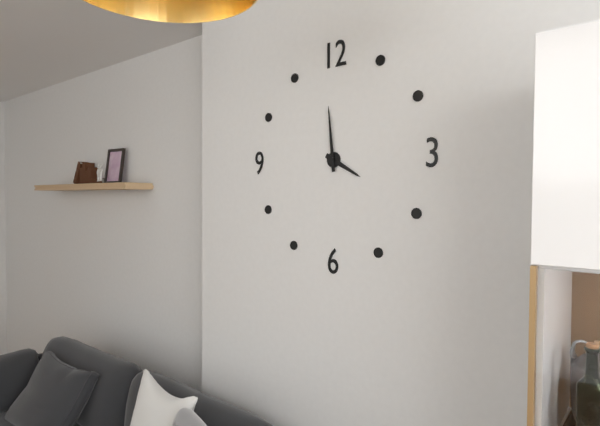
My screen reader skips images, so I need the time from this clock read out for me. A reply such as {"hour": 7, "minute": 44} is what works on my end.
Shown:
{"hour": 3, "minute": 59}
